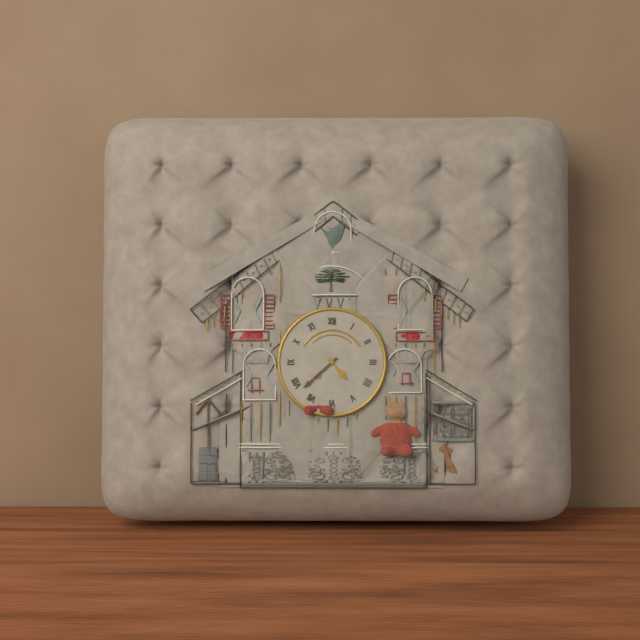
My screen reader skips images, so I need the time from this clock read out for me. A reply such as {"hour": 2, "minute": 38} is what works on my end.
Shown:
{"hour": 4, "minute": 38}
